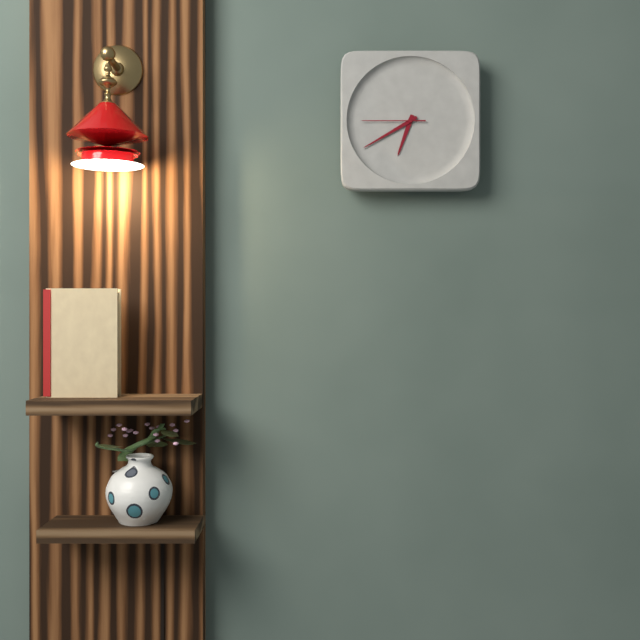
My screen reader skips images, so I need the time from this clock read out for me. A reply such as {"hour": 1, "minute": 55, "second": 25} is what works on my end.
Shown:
{"hour": 6, "minute": 40, "second": 45}
